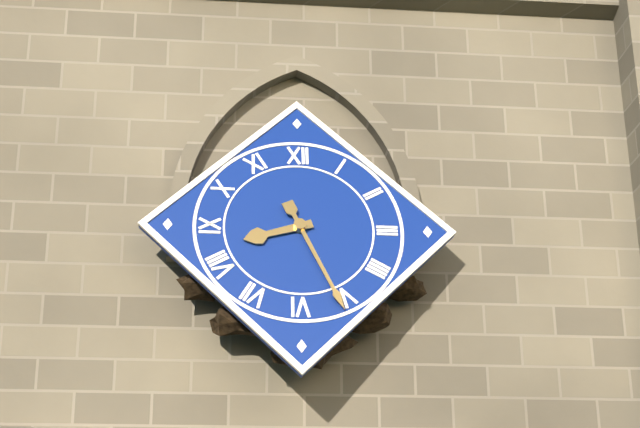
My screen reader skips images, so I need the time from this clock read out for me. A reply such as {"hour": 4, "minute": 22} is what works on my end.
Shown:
{"hour": 8, "minute": 26}
